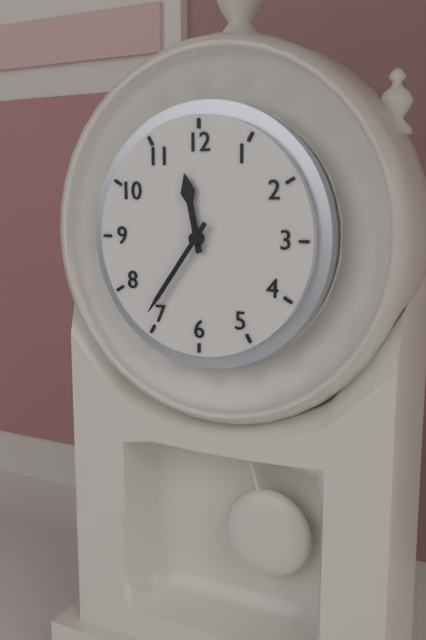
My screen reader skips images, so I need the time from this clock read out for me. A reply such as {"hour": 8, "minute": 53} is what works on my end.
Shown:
{"hour": 11, "minute": 36}
